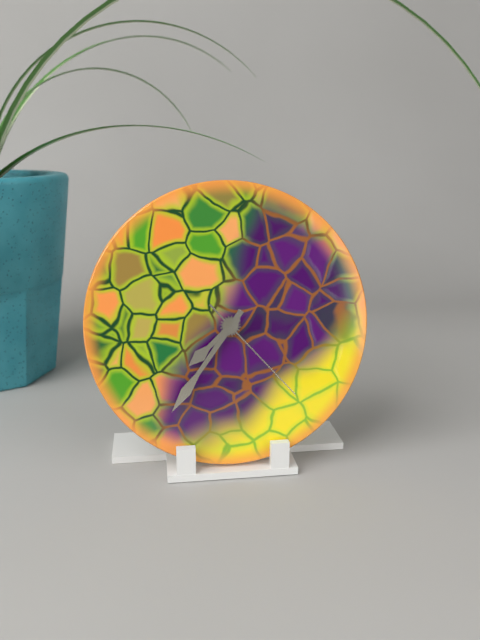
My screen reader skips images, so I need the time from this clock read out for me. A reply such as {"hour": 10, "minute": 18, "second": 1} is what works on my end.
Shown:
{"hour": 7, "minute": 36, "second": 23}
